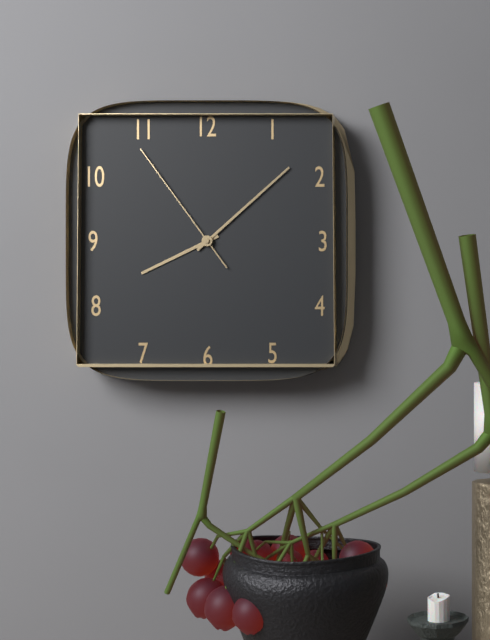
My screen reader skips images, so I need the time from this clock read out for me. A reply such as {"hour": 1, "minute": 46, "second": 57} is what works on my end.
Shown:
{"hour": 8, "minute": 8, "second": 54}
